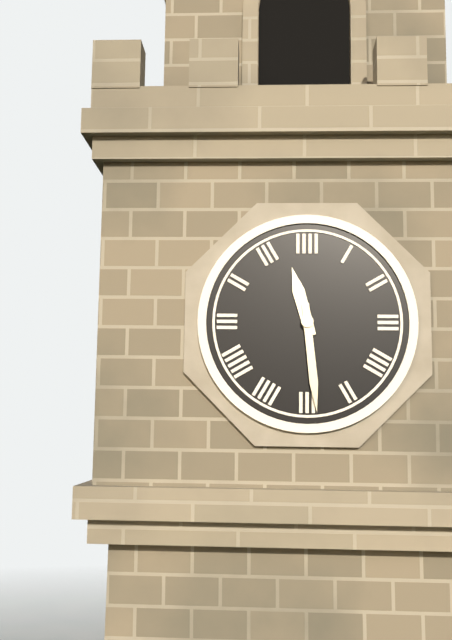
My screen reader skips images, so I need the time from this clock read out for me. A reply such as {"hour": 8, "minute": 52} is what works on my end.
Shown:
{"hour": 11, "minute": 29}
